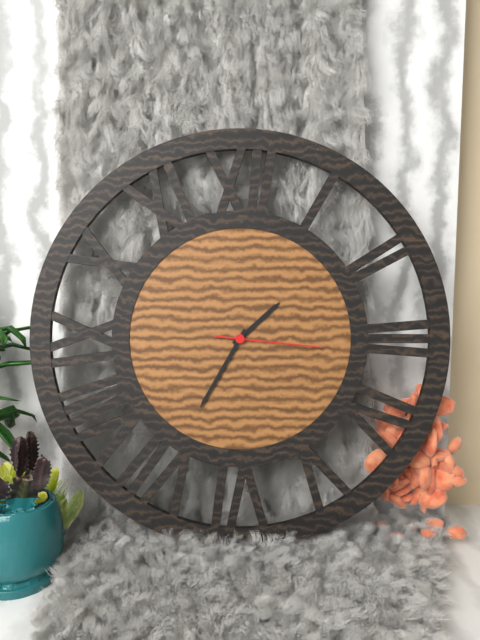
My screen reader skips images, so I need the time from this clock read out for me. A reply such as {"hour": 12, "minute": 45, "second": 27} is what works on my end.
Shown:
{"hour": 1, "minute": 35, "second": 16}
